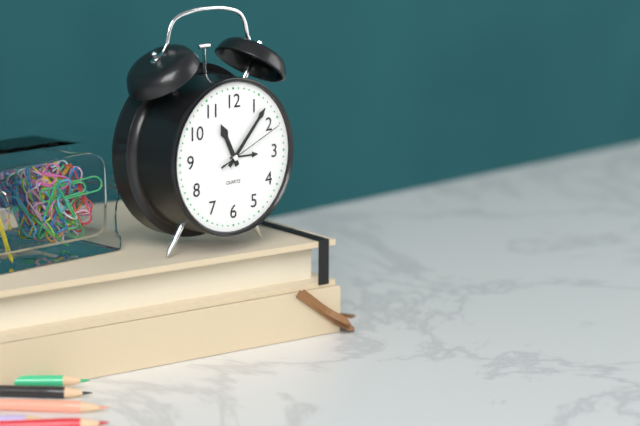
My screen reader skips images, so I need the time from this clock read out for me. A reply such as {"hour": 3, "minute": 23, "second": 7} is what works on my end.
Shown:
{"hour": 11, "minute": 7, "second": 11}
